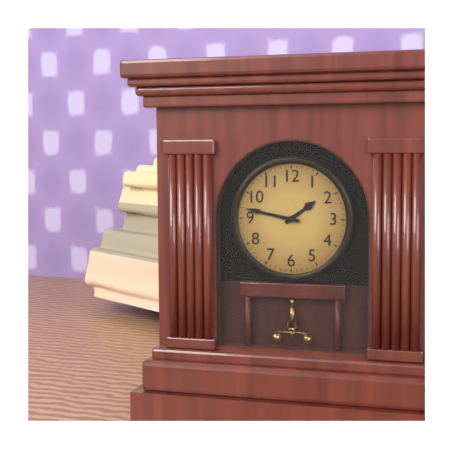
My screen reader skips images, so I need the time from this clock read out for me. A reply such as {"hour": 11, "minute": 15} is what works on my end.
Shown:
{"hour": 1, "minute": 47}
